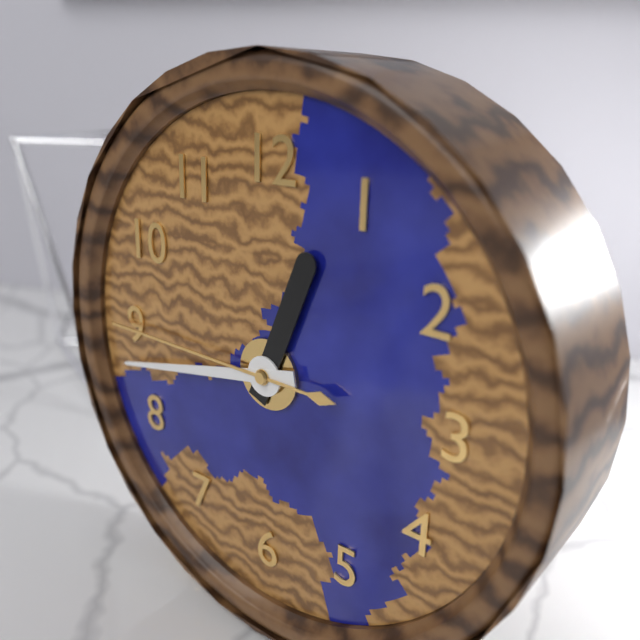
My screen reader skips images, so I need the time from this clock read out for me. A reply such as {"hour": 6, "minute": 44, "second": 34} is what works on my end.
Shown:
{"hour": 12, "minute": 43, "second": 45}
